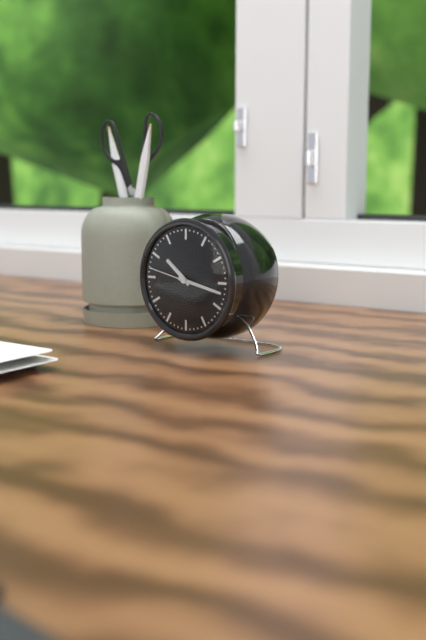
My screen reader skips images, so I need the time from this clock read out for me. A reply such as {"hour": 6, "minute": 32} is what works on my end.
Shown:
{"hour": 10, "minute": 17}
